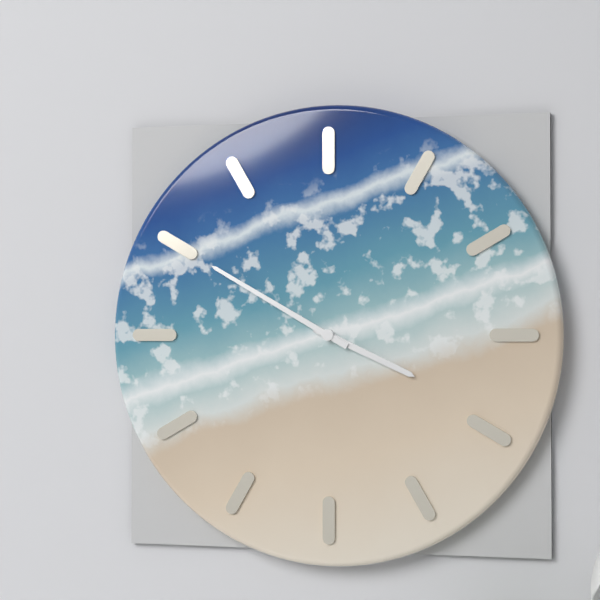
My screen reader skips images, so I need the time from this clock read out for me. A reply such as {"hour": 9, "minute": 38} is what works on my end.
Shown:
{"hour": 3, "minute": 50}
